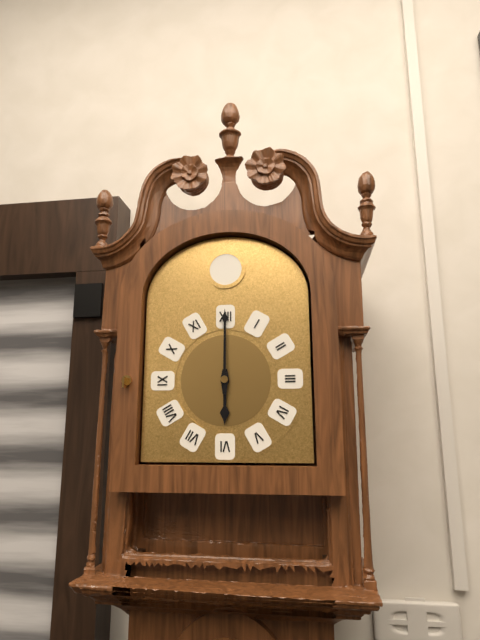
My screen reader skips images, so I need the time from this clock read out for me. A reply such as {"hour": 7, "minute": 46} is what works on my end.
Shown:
{"hour": 6, "minute": 0}
